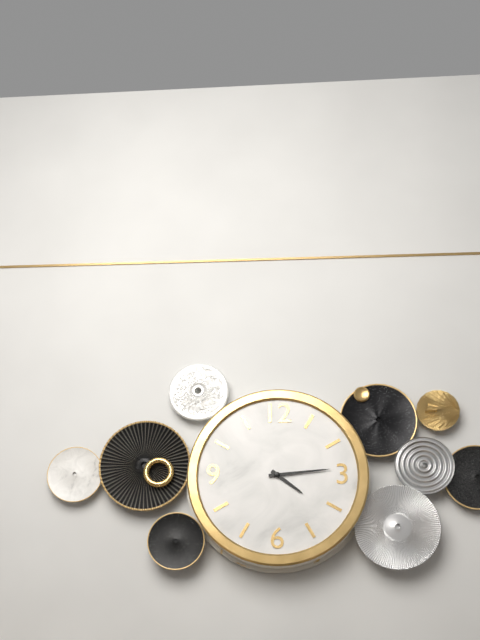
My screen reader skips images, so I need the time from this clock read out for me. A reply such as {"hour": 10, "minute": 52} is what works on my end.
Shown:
{"hour": 4, "minute": 14}
